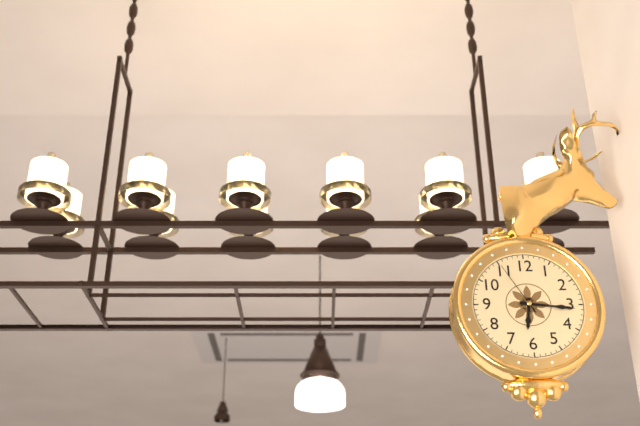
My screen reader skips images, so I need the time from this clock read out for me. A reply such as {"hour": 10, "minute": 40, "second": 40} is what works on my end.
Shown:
{"hour": 6, "minute": 16, "second": 55}
